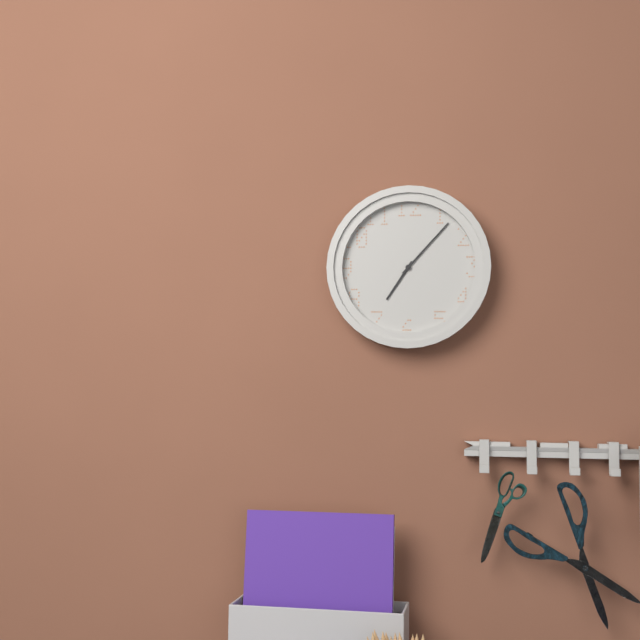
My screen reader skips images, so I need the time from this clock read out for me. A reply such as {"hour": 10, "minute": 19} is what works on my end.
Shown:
{"hour": 7, "minute": 7}
